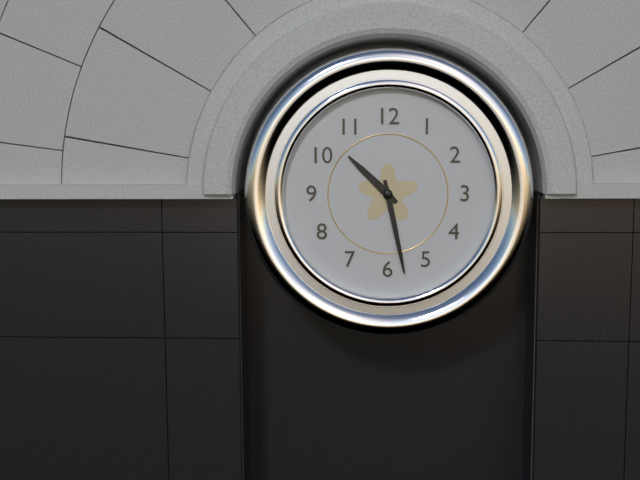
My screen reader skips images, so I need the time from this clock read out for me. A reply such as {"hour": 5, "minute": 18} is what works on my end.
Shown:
{"hour": 10, "minute": 28}
